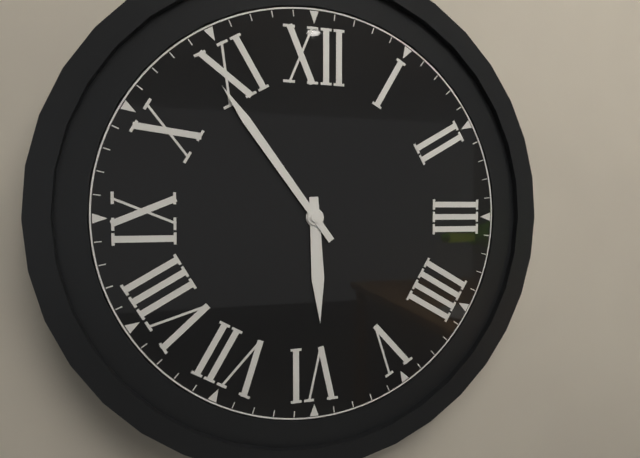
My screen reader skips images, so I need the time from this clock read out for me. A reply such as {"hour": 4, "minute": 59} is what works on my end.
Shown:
{"hour": 5, "minute": 54}
